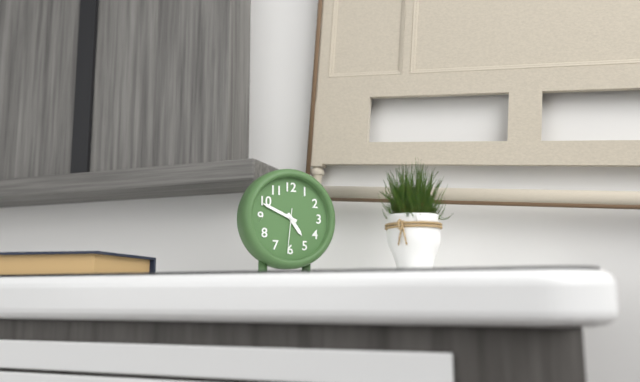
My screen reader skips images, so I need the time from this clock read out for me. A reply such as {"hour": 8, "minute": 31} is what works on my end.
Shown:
{"hour": 4, "minute": 49}
